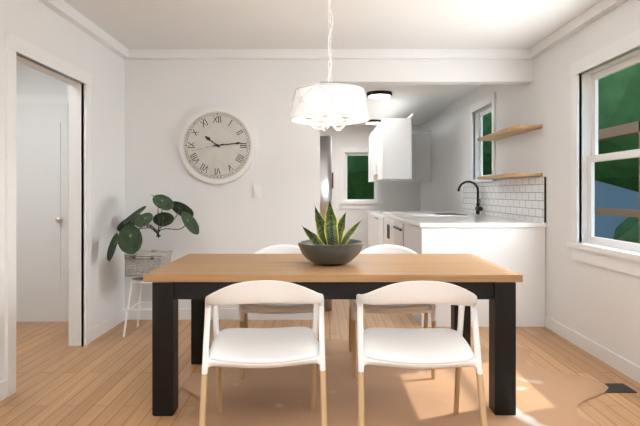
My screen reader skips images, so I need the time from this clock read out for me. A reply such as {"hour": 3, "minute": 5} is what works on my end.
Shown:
{"hour": 10, "minute": 14}
